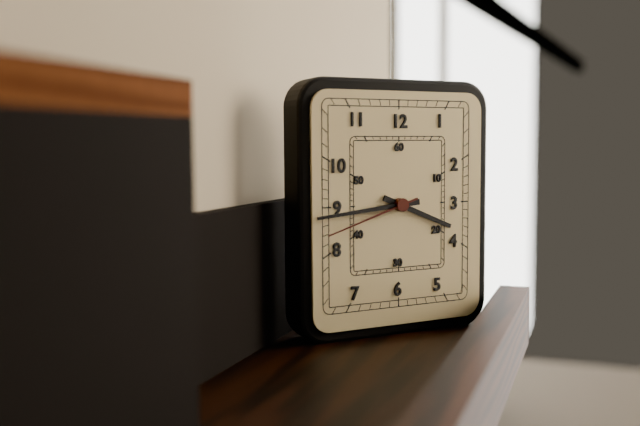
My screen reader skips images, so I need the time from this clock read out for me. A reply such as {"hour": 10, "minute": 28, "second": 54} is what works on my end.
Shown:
{"hour": 3, "minute": 44, "second": 42}
